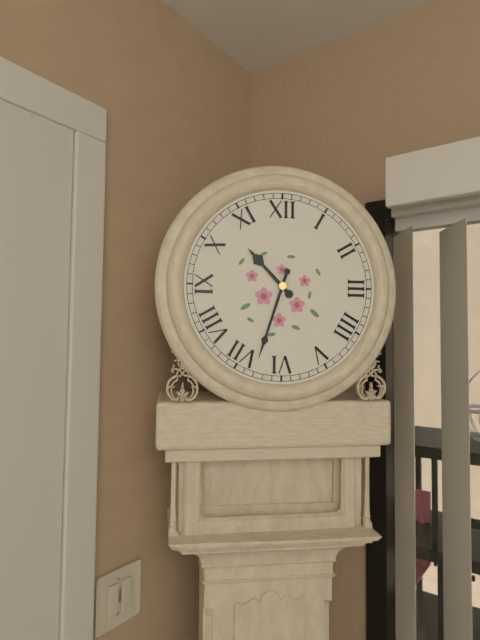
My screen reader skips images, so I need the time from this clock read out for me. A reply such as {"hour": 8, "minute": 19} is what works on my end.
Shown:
{"hour": 10, "minute": 33}
